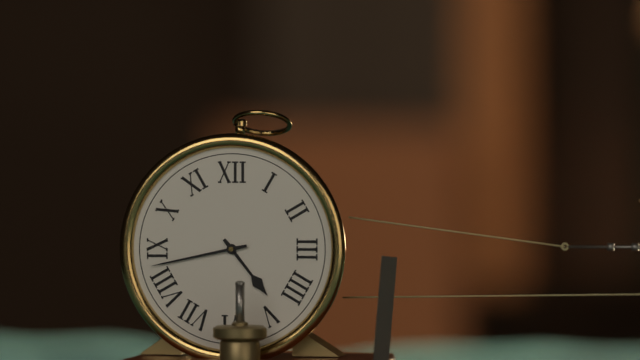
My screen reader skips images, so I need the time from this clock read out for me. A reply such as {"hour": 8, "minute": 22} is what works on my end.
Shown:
{"hour": 4, "minute": 43}
